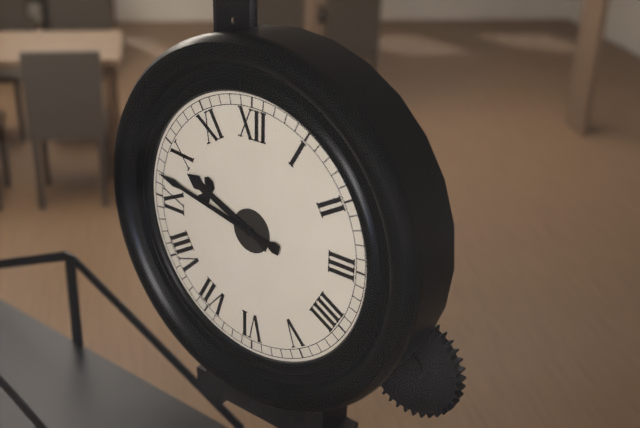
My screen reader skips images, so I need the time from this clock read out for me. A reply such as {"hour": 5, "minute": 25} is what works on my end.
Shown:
{"hour": 9, "minute": 47}
